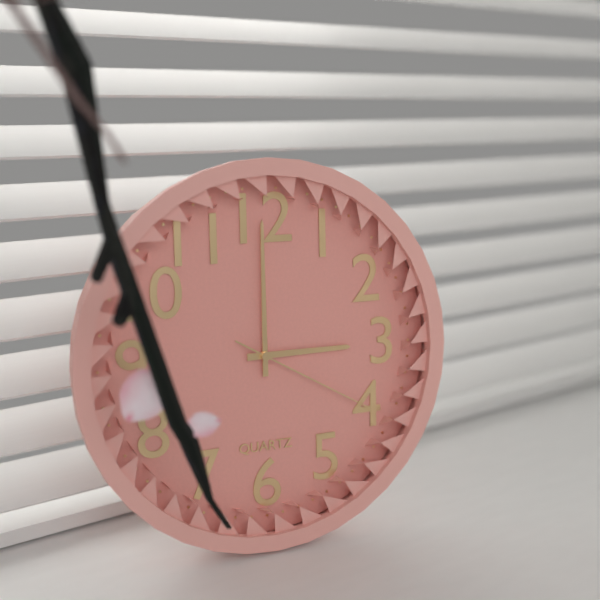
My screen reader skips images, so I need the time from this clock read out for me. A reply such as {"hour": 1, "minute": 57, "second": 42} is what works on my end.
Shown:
{"hour": 3, "minute": 0, "second": 20}
